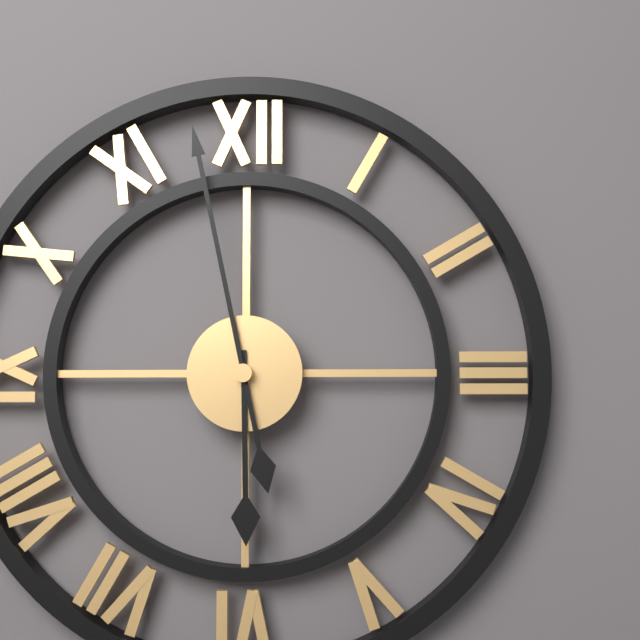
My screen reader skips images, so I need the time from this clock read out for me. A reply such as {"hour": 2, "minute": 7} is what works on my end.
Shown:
{"hour": 5, "minute": 58}
